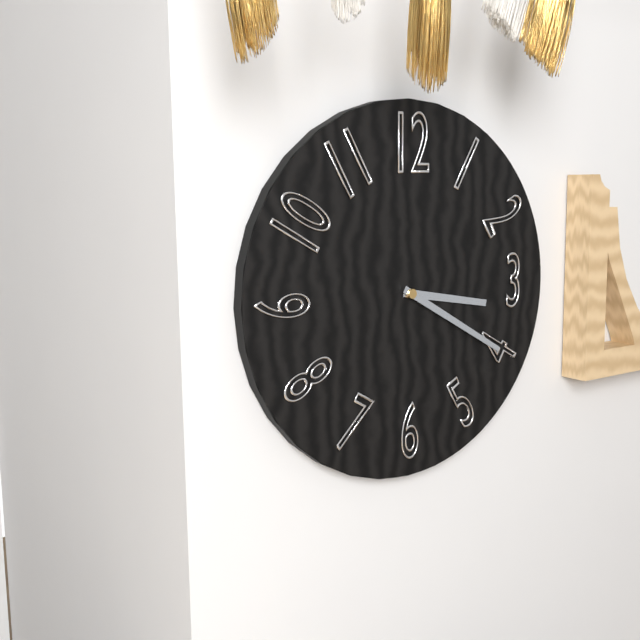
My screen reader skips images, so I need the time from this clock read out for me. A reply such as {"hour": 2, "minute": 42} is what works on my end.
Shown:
{"hour": 3, "minute": 20}
